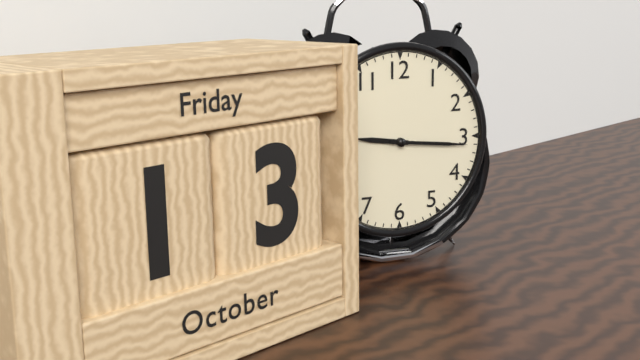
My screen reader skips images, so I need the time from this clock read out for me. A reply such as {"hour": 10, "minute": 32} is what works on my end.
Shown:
{"hour": 9, "minute": 16}
